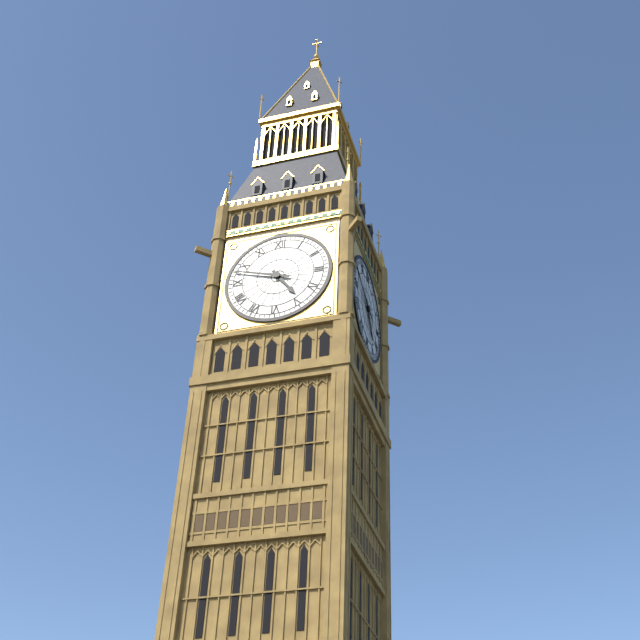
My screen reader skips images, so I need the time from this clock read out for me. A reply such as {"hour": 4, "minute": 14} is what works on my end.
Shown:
{"hour": 4, "minute": 48}
